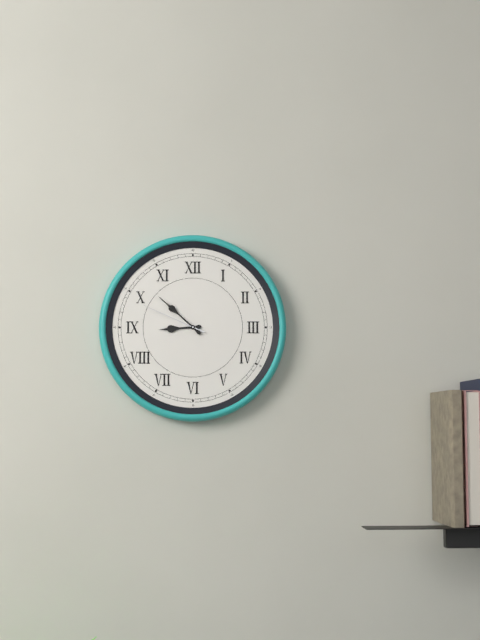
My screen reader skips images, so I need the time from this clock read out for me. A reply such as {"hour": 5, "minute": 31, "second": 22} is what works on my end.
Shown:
{"hour": 8, "minute": 52, "second": 49}
